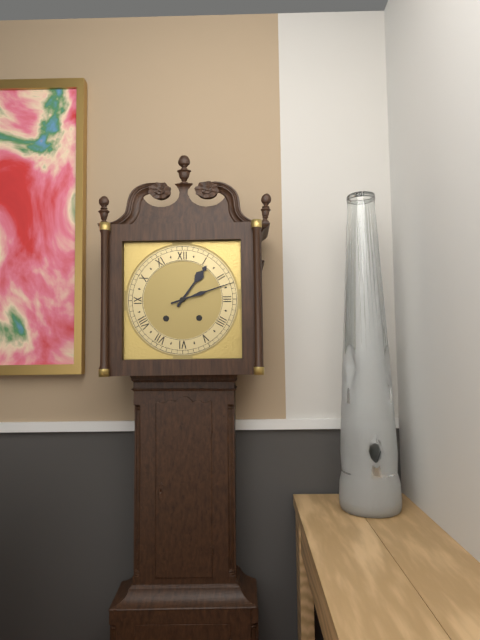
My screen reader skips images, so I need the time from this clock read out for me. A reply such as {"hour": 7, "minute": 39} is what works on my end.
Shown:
{"hour": 1, "minute": 12}
